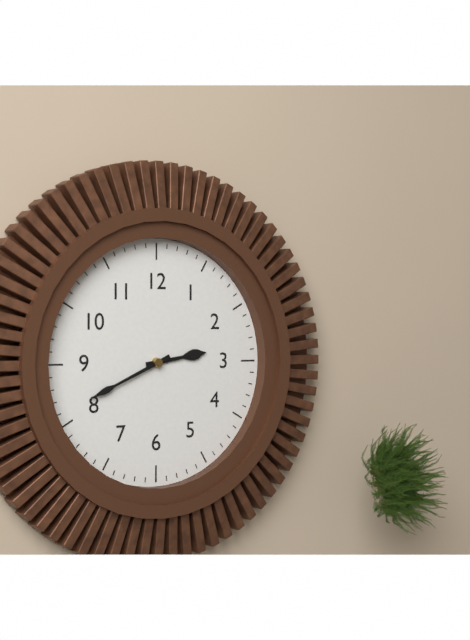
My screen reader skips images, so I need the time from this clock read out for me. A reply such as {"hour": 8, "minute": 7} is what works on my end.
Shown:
{"hour": 2, "minute": 41}
